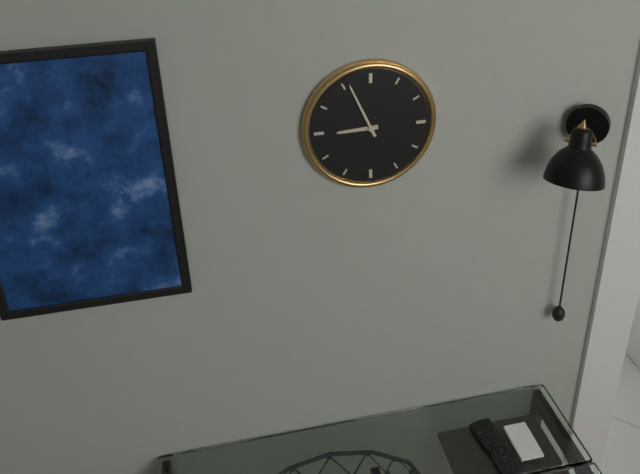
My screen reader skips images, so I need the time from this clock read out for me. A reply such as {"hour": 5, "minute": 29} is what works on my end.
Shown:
{"hour": 8, "minute": 56}
